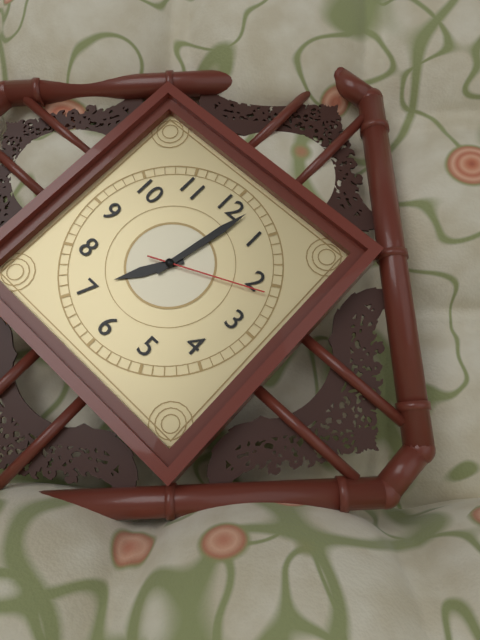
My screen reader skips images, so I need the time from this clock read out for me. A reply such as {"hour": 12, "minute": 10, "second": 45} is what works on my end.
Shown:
{"hour": 7, "minute": 2, "second": 11}
